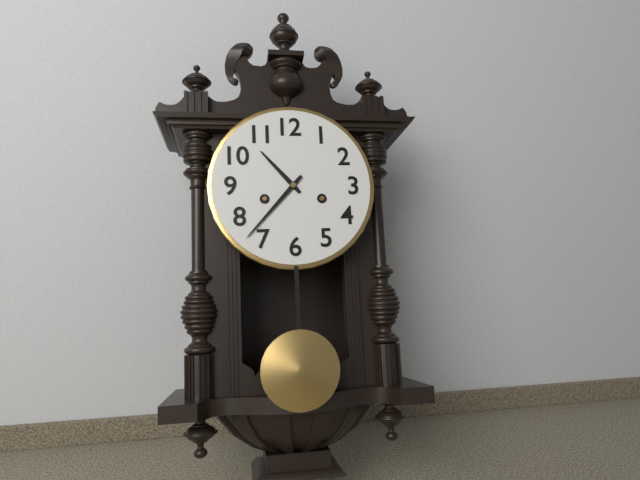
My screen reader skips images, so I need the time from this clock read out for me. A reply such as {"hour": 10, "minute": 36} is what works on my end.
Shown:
{"hour": 10, "minute": 37}
